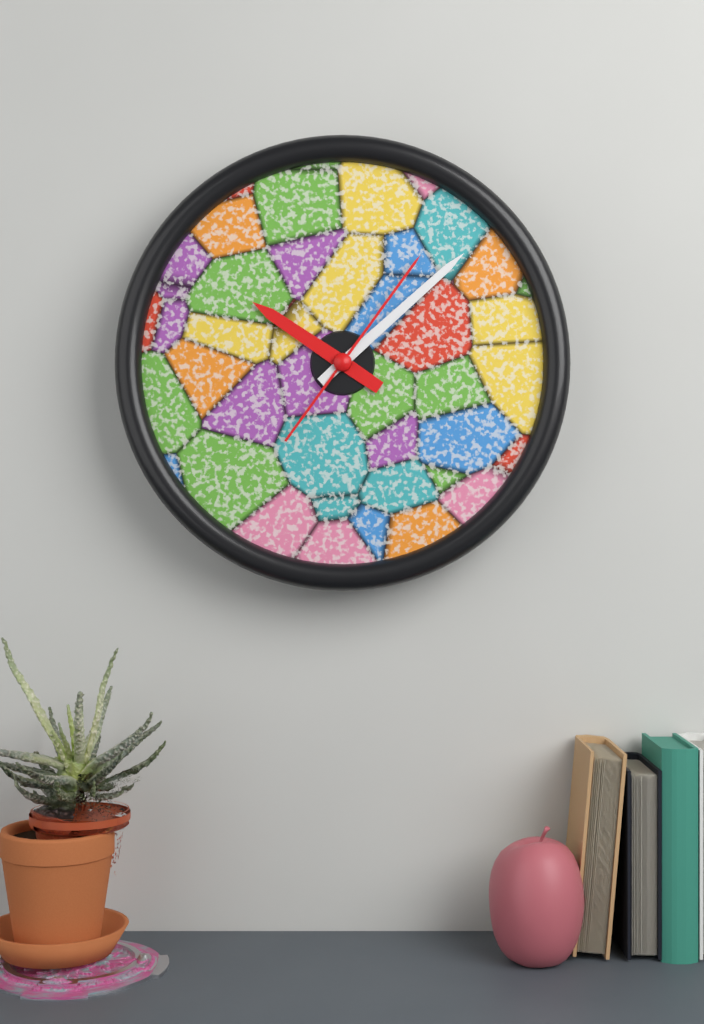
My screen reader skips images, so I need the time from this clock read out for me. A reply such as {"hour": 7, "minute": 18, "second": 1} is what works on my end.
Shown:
{"hour": 10, "minute": 8, "second": 6}
